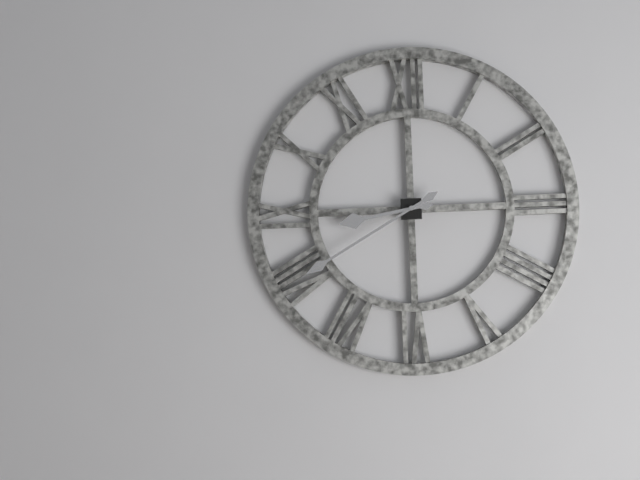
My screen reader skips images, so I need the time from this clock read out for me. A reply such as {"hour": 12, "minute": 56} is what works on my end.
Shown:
{"hour": 8, "minute": 40}
